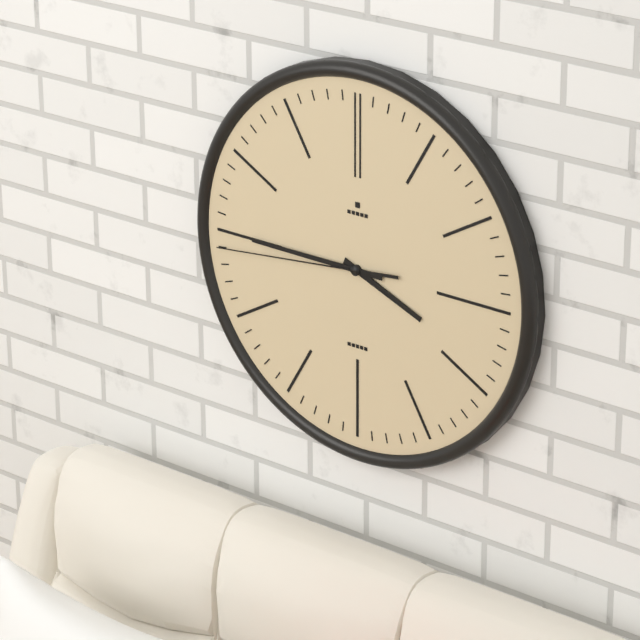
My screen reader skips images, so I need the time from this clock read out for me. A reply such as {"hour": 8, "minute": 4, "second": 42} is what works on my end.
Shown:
{"hour": 3, "minute": 45, "second": 44}
